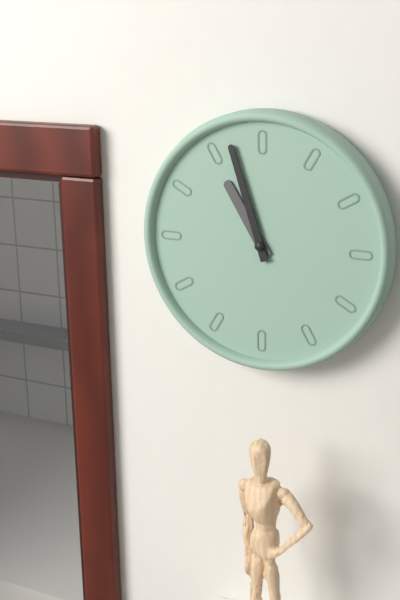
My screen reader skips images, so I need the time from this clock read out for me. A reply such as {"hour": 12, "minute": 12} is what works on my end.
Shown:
{"hour": 10, "minute": 57}
